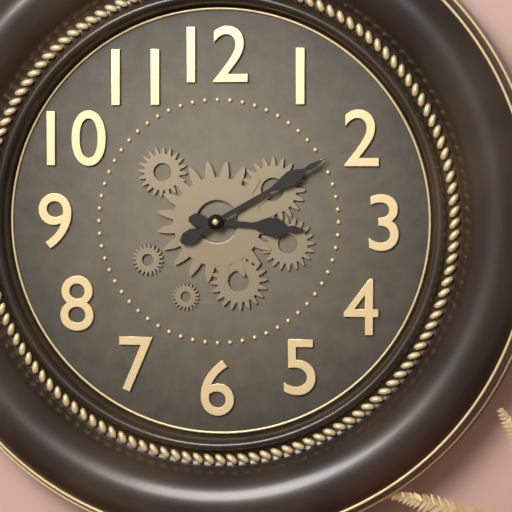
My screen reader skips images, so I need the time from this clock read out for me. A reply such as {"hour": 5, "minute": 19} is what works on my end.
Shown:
{"hour": 3, "minute": 10}
